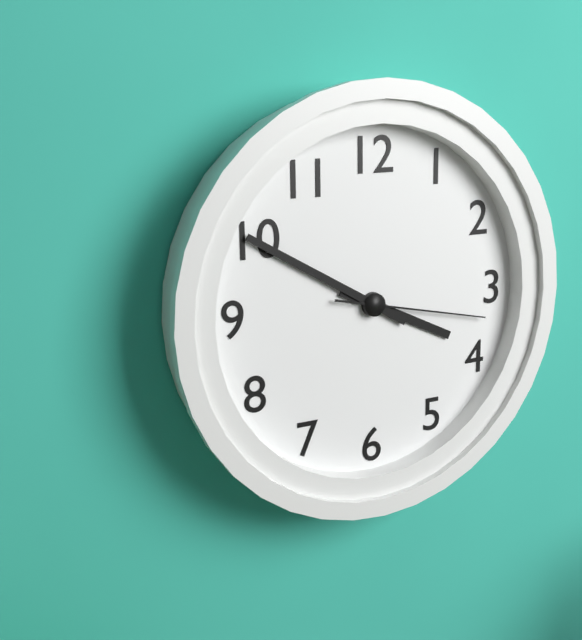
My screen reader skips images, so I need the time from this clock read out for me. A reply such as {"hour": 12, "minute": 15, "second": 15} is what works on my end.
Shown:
{"hour": 3, "minute": 50, "second": 17}
